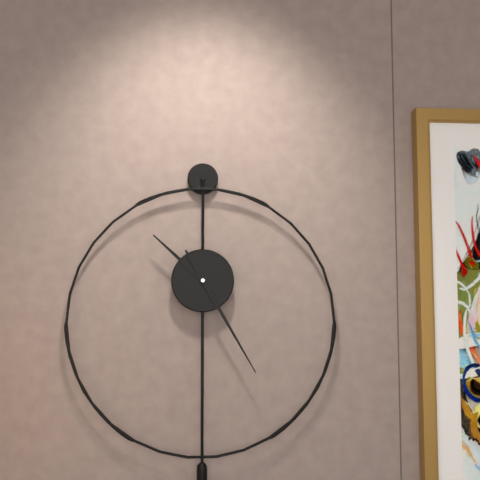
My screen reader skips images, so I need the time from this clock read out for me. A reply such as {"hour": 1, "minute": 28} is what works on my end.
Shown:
{"hour": 10, "minute": 25}
